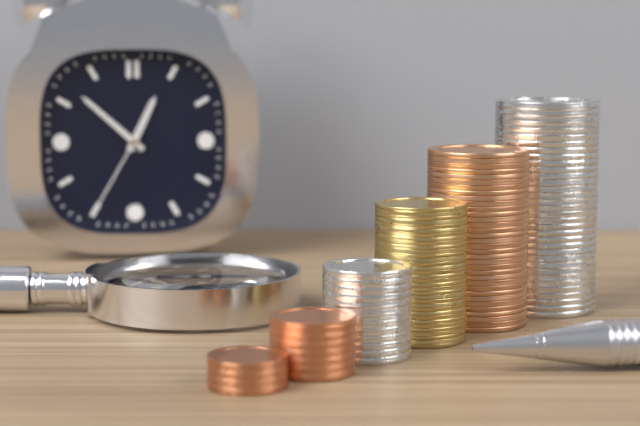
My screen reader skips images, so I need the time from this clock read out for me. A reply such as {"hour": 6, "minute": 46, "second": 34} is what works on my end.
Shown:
{"hour": 12, "minute": 52, "second": 35}
